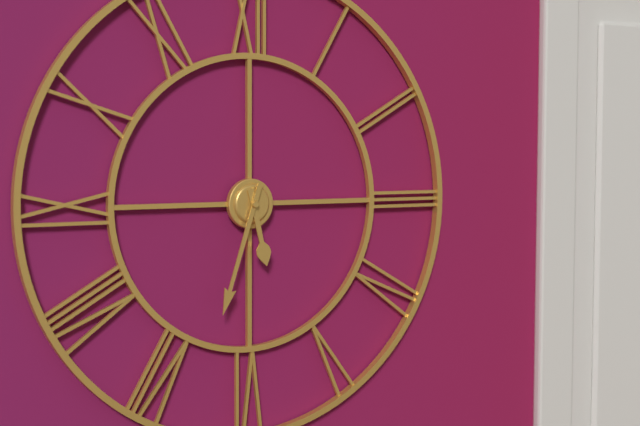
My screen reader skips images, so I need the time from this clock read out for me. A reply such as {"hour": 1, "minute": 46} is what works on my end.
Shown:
{"hour": 5, "minute": 33}
